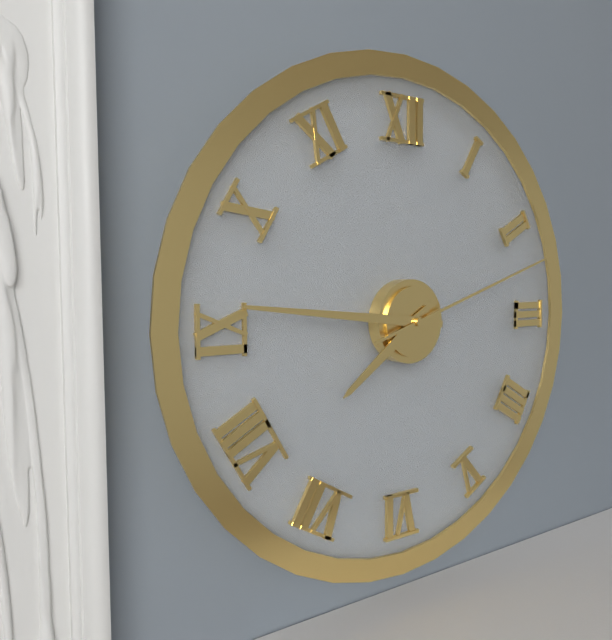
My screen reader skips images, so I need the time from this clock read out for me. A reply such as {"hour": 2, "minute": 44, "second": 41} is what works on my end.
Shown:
{"hour": 7, "minute": 46, "second": 12}
